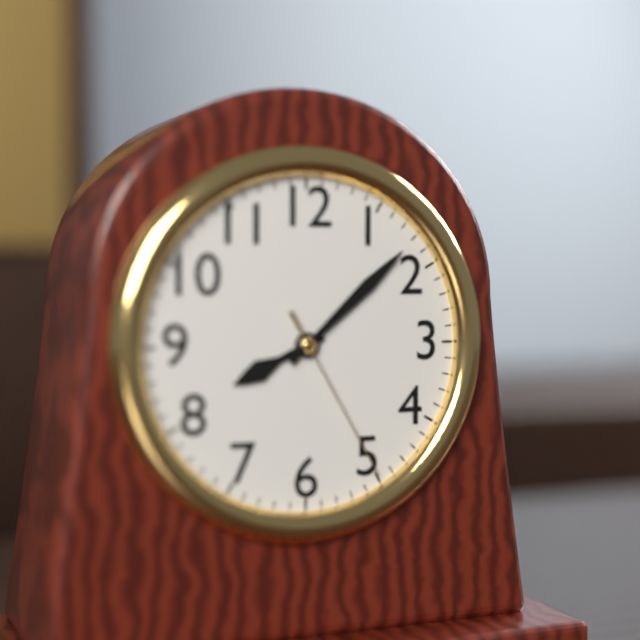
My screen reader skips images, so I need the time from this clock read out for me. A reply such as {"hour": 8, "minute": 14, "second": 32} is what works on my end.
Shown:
{"hour": 8, "minute": 8, "second": 25}
